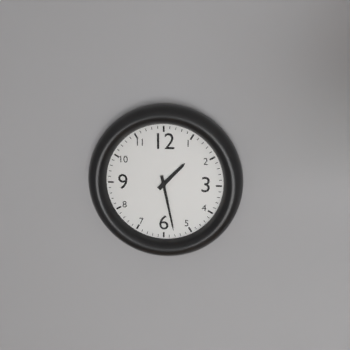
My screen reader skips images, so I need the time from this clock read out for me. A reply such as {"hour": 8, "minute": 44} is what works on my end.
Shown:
{"hour": 1, "minute": 28}
